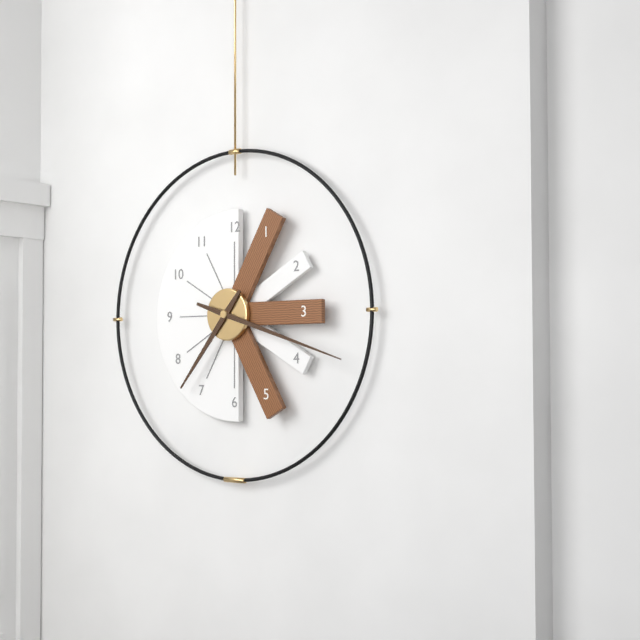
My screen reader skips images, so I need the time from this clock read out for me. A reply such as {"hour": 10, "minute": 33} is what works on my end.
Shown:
{"hour": 7, "minute": 18}
